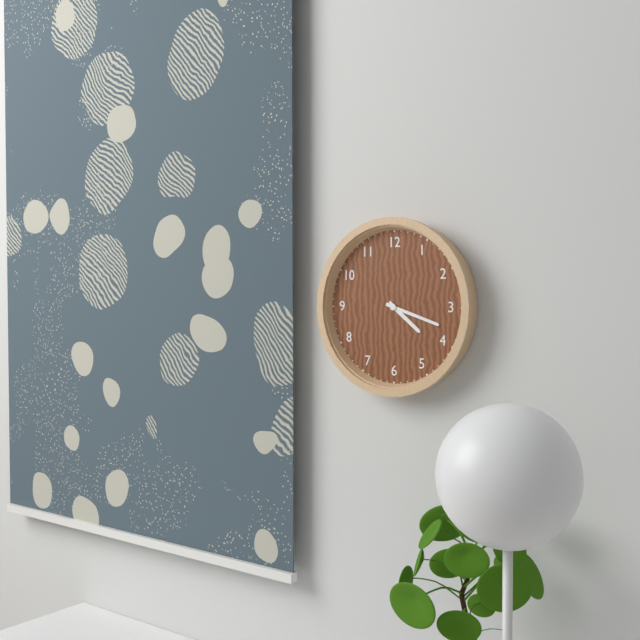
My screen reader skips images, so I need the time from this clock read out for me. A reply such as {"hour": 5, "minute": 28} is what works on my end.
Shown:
{"hour": 4, "minute": 18}
